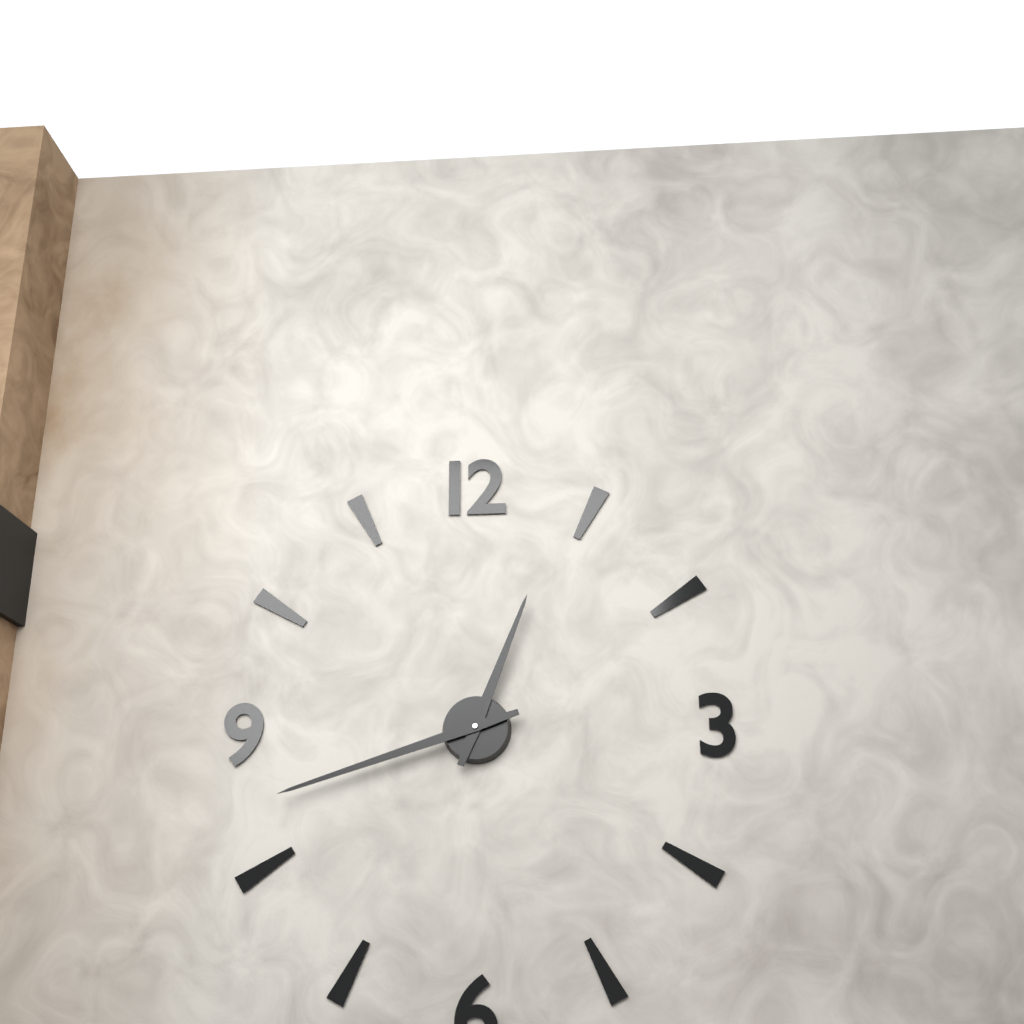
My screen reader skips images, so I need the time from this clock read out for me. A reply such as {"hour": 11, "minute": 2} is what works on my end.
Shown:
{"hour": 12, "minute": 42}
